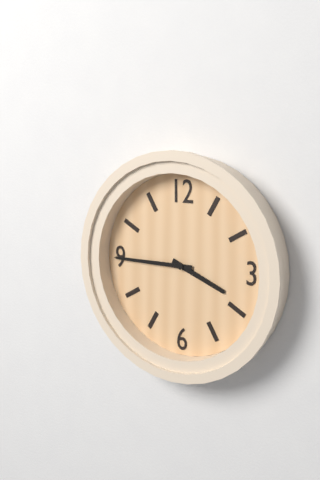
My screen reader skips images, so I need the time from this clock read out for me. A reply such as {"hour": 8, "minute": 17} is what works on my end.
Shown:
{"hour": 3, "minute": 45}
